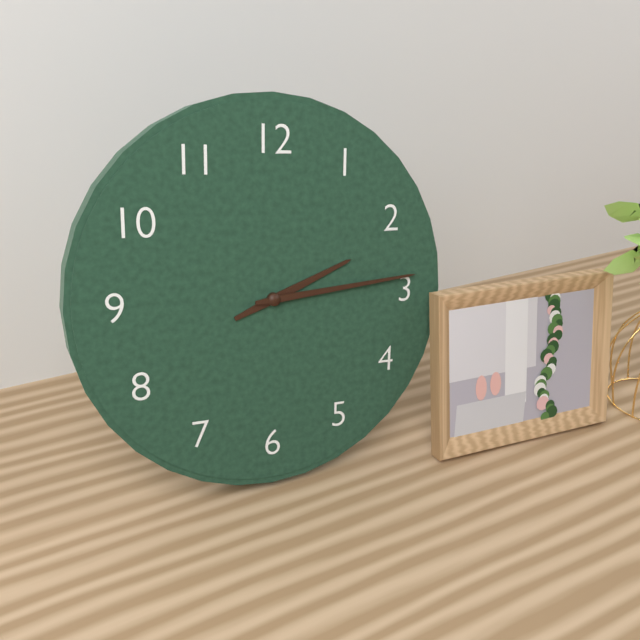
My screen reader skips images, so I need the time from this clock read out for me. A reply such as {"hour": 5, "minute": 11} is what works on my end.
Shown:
{"hour": 2, "minute": 14}
